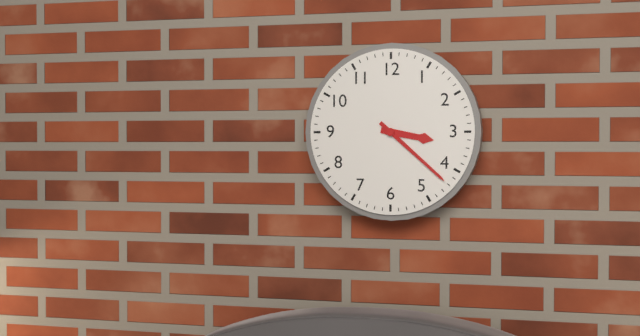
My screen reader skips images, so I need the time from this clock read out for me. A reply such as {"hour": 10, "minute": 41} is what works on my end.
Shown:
{"hour": 3, "minute": 22}
